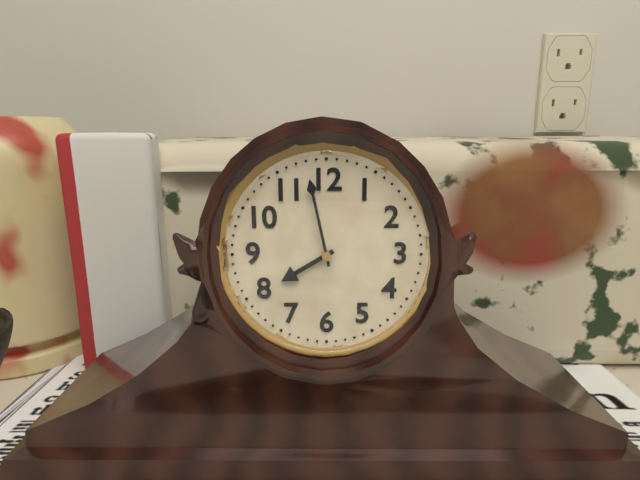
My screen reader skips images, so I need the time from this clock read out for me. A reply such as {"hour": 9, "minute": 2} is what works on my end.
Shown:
{"hour": 7, "minute": 58}
